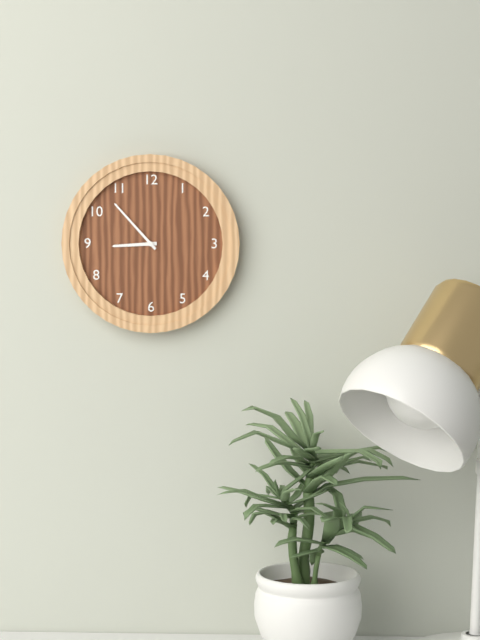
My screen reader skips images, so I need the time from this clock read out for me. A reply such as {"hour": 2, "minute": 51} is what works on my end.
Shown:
{"hour": 8, "minute": 53}
